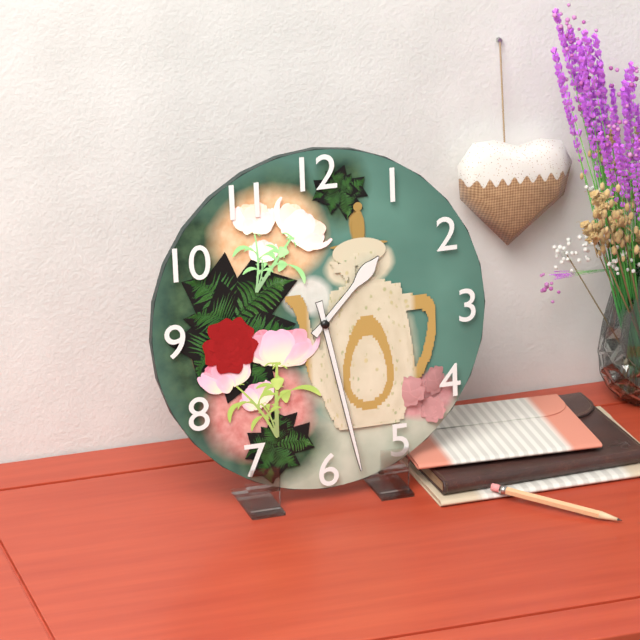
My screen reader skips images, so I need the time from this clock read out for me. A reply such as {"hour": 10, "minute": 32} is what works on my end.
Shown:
{"hour": 1, "minute": 28}
